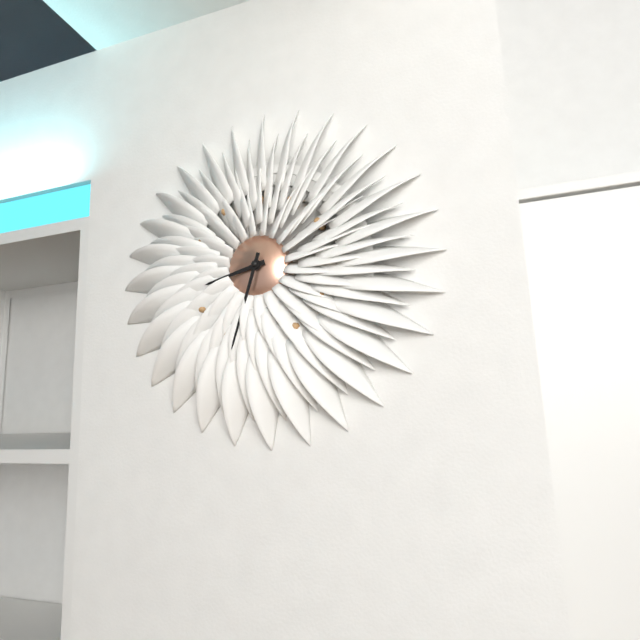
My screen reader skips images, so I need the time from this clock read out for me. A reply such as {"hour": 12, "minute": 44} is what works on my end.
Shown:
{"hour": 8, "minute": 33}
